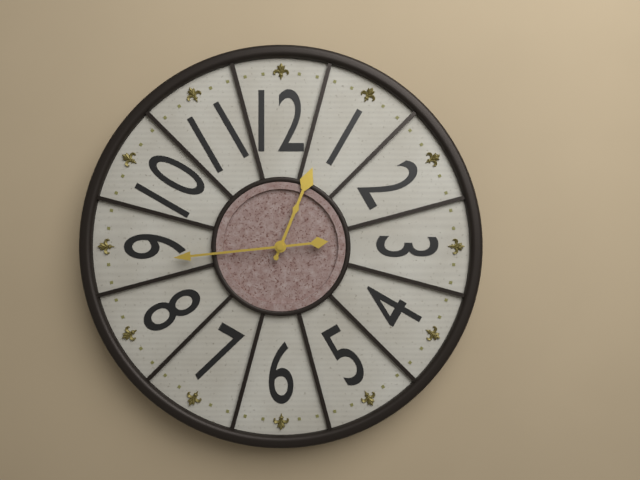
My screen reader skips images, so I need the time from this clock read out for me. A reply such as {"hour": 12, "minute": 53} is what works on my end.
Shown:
{"hour": 12, "minute": 44}
